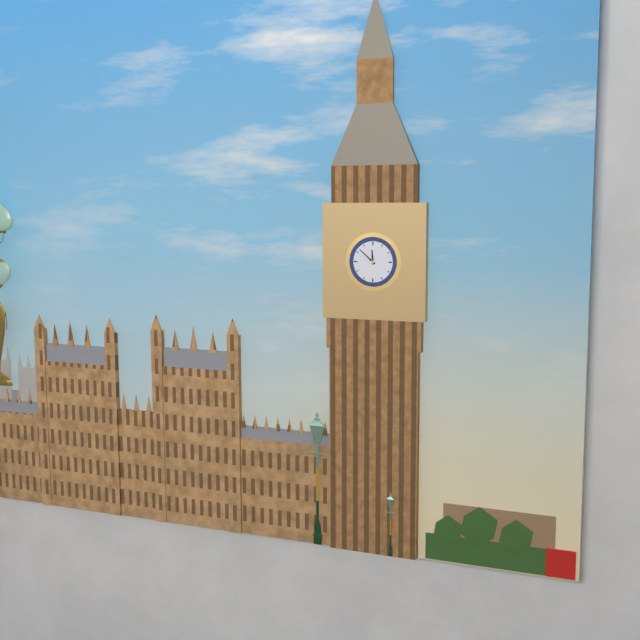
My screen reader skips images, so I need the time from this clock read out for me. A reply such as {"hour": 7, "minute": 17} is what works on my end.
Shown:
{"hour": 11, "minute": 52}
